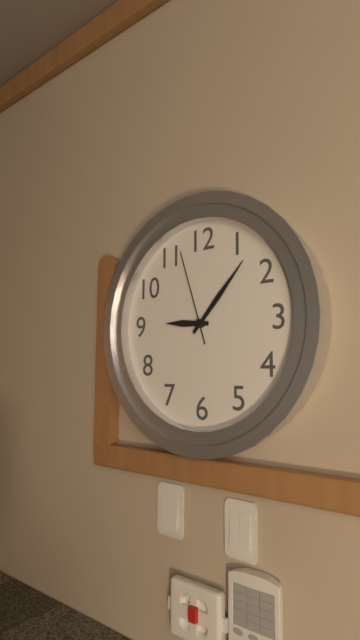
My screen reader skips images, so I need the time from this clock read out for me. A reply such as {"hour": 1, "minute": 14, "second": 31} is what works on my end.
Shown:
{"hour": 9, "minute": 7, "second": 57}
